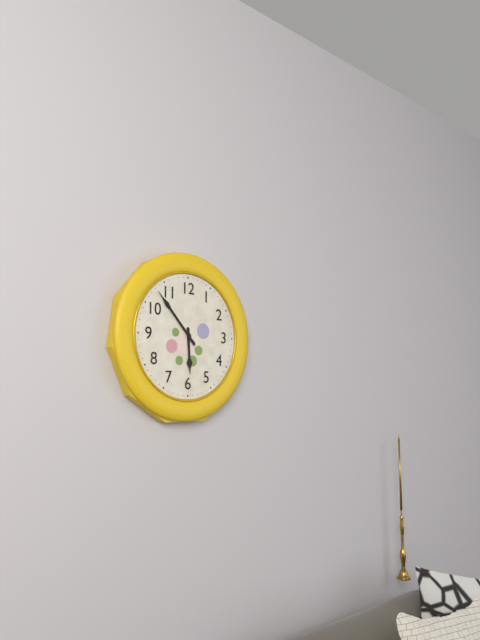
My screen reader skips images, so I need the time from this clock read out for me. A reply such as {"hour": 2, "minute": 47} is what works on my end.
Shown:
{"hour": 5, "minute": 53}
